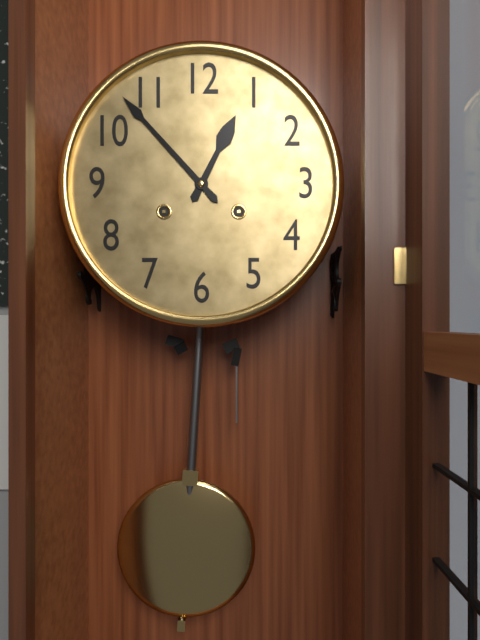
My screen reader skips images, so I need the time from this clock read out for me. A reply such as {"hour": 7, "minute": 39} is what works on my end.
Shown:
{"hour": 12, "minute": 53}
